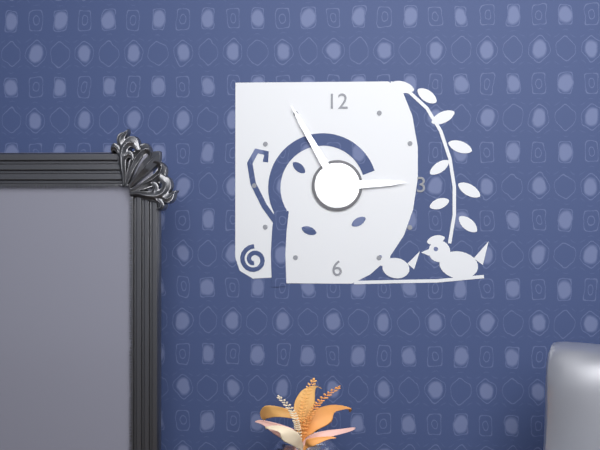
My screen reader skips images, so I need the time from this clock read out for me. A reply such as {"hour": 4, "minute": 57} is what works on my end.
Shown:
{"hour": 2, "minute": 55}
